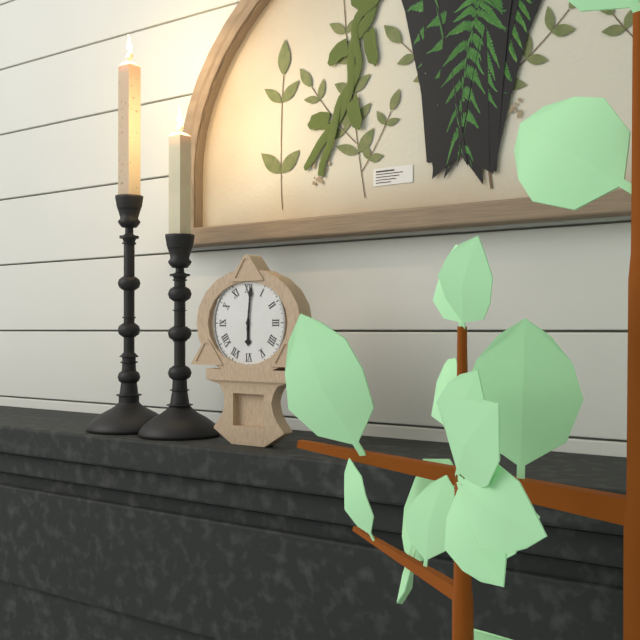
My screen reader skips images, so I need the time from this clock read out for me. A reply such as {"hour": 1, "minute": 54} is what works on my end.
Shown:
{"hour": 6, "minute": 1}
